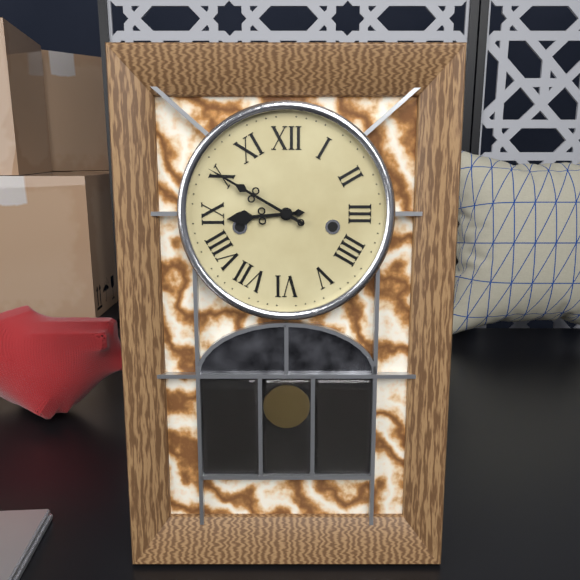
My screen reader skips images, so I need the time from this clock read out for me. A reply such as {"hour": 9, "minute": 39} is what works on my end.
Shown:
{"hour": 8, "minute": 50}
